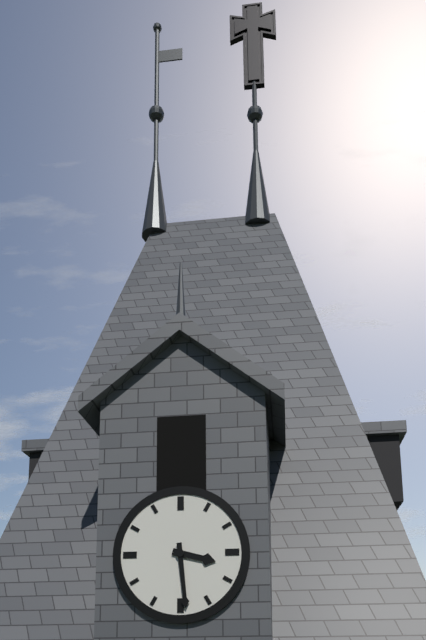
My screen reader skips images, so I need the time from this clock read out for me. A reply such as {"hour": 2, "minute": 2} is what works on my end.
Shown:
{"hour": 3, "minute": 29}
